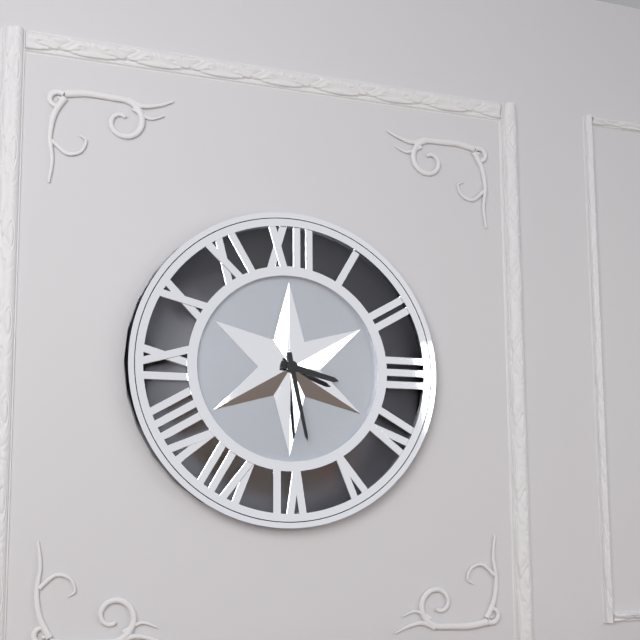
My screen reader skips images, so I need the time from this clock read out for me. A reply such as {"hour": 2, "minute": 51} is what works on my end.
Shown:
{"hour": 3, "minute": 28}
